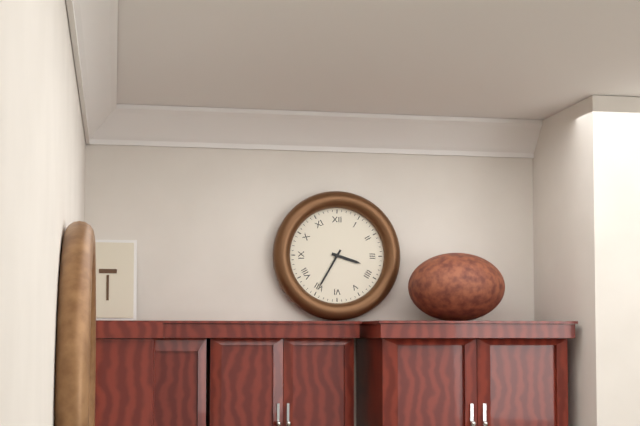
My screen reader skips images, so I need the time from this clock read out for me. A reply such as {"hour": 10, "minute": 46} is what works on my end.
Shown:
{"hour": 3, "minute": 35}
